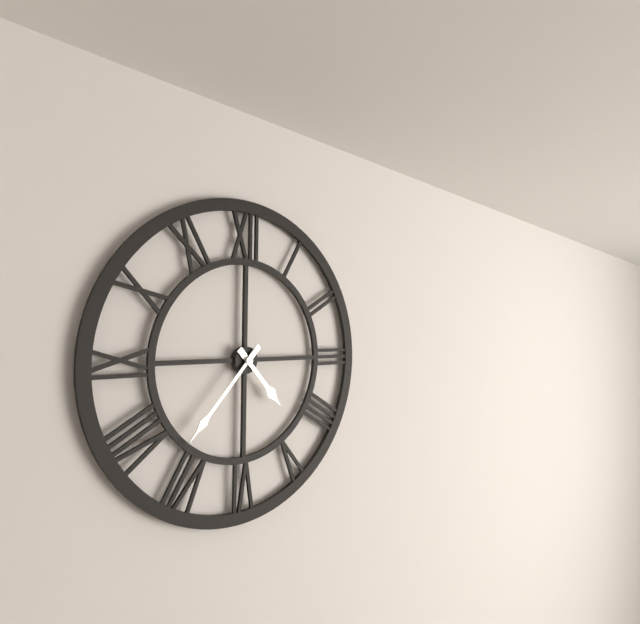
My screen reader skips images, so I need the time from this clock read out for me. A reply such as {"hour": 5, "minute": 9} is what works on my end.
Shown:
{"hour": 4, "minute": 37}
